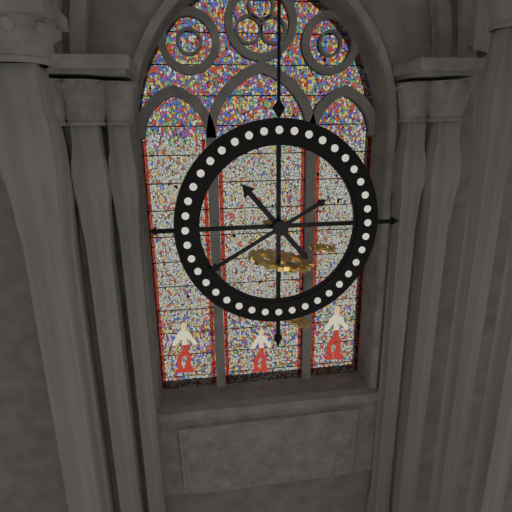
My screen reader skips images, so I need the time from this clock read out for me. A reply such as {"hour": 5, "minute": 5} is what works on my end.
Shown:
{"hour": 10, "minute": 40}
